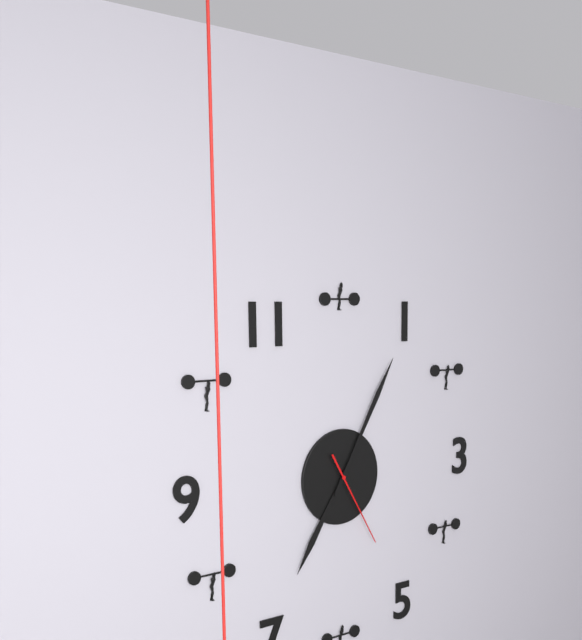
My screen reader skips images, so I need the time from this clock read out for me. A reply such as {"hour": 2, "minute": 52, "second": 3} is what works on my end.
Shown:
{"hour": 7, "minute": 5, "second": 25}
